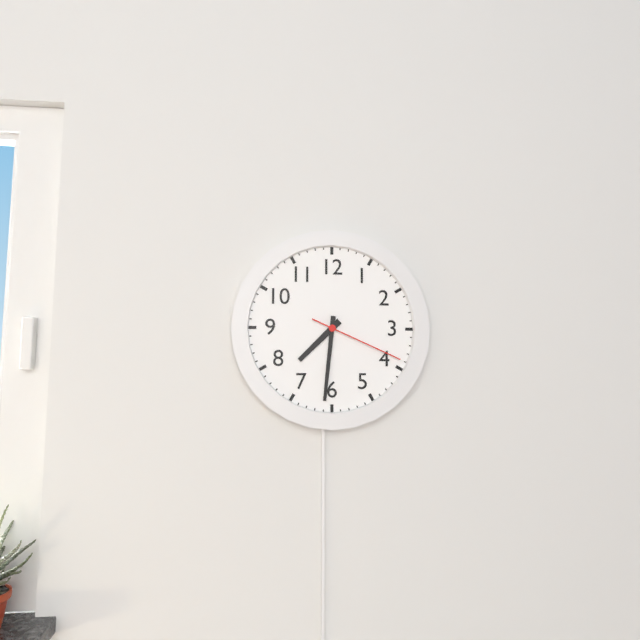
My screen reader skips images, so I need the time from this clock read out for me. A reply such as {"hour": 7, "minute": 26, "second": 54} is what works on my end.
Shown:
{"hour": 7, "minute": 31, "second": 19}
